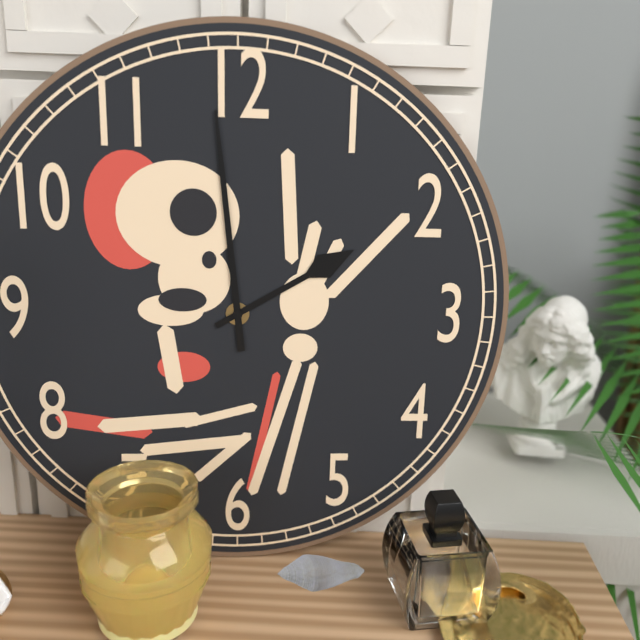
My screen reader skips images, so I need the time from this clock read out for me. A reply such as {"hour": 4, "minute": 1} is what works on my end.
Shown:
{"hour": 1, "minute": 59}
